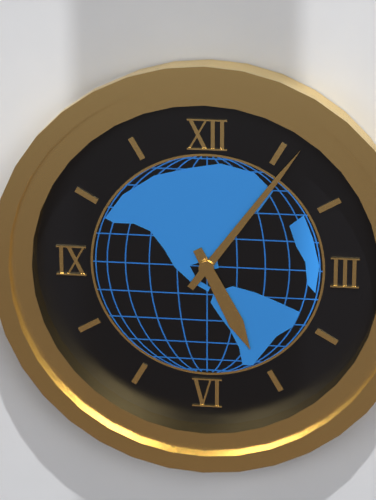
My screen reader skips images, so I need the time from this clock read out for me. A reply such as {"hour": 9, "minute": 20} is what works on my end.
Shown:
{"hour": 5, "minute": 6}
